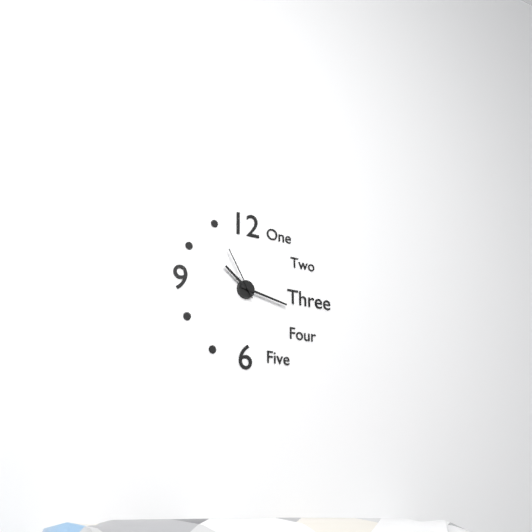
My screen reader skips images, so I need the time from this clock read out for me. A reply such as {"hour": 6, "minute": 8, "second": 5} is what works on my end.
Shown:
{"hour": 10, "minute": 17, "second": 55}
